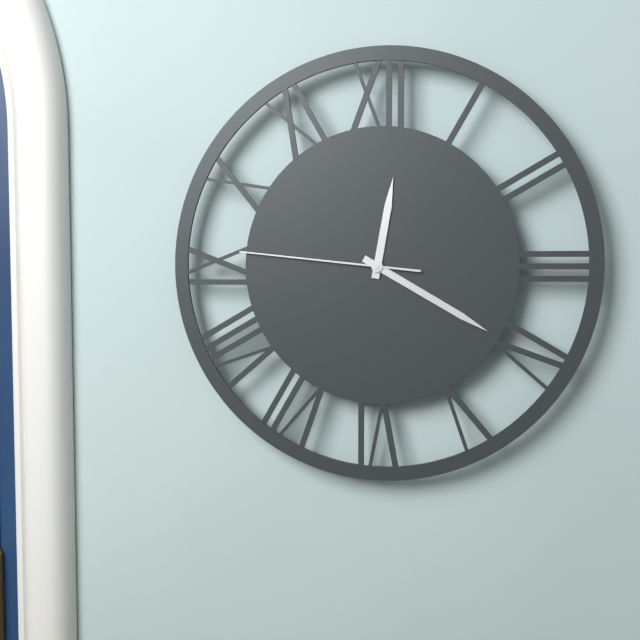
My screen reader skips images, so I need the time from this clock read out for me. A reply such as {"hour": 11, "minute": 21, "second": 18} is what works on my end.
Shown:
{"hour": 12, "minute": 20, "second": 46}
